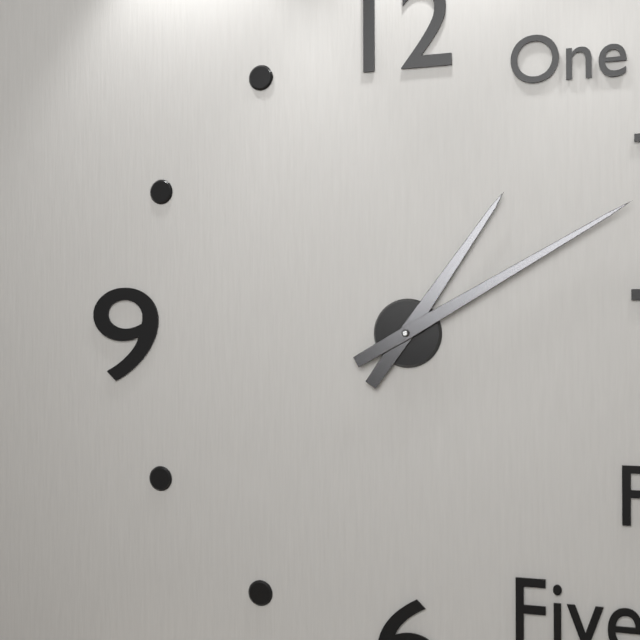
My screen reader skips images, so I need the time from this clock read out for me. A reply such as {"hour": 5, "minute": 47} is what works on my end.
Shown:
{"hour": 1, "minute": 10}
